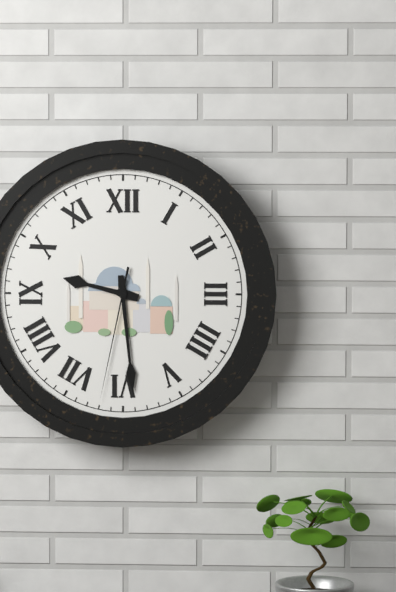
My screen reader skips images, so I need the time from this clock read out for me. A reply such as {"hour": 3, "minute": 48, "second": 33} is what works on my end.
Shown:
{"hour": 9, "minute": 29, "second": 32}
